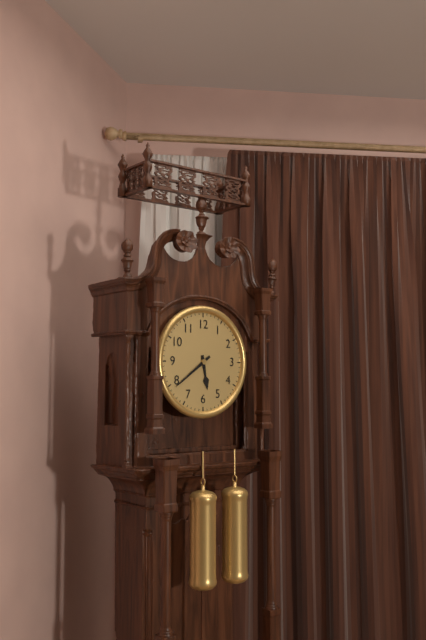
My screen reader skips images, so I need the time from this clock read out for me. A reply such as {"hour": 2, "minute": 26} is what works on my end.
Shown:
{"hour": 5, "minute": 39}
